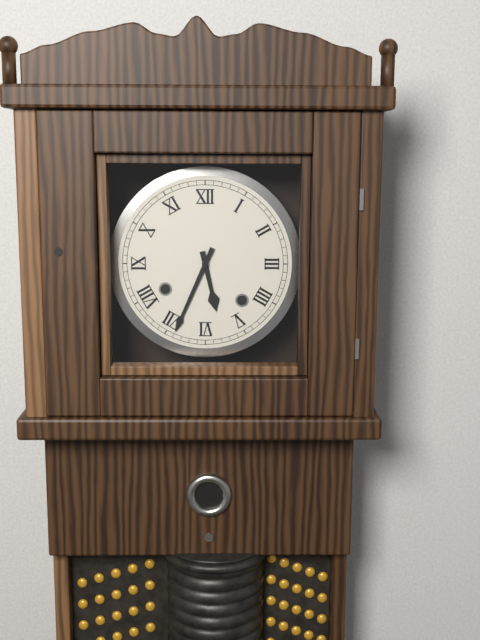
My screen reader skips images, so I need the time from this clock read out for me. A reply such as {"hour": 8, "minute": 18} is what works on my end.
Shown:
{"hour": 5, "minute": 34}
